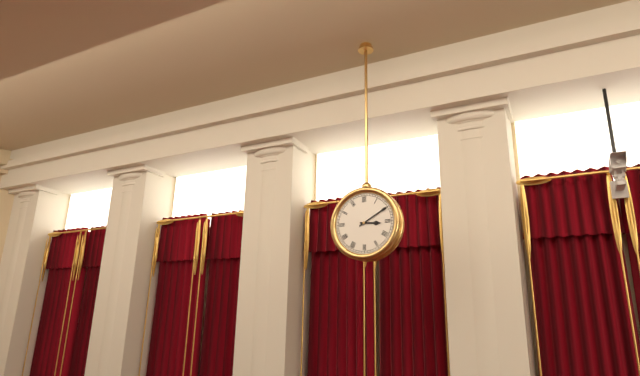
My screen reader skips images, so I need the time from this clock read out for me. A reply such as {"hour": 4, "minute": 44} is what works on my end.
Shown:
{"hour": 3, "minute": 10}
